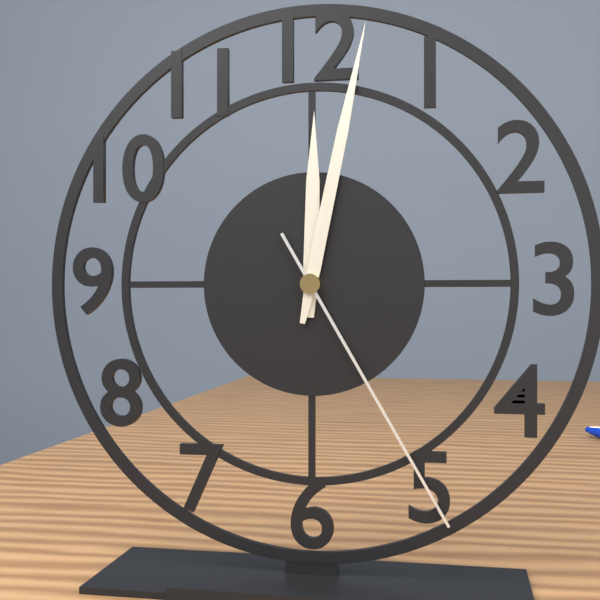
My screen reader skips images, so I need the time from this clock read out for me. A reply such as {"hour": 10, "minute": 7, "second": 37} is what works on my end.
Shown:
{"hour": 12, "minute": 2, "second": 25}
